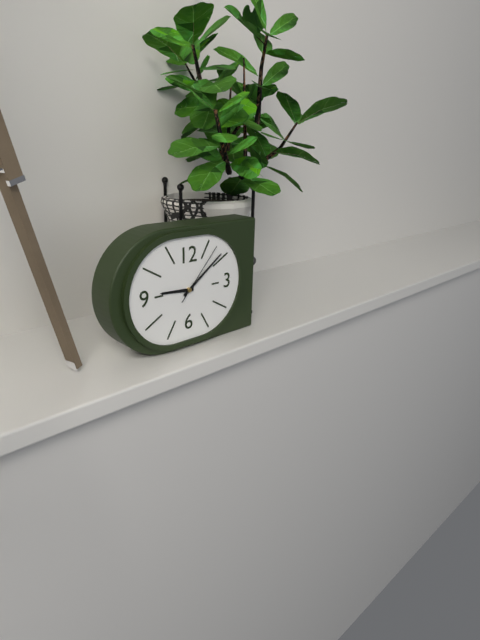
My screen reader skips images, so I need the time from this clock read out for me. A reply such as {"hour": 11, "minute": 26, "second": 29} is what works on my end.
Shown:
{"hour": 9, "minute": 9, "second": 7}
